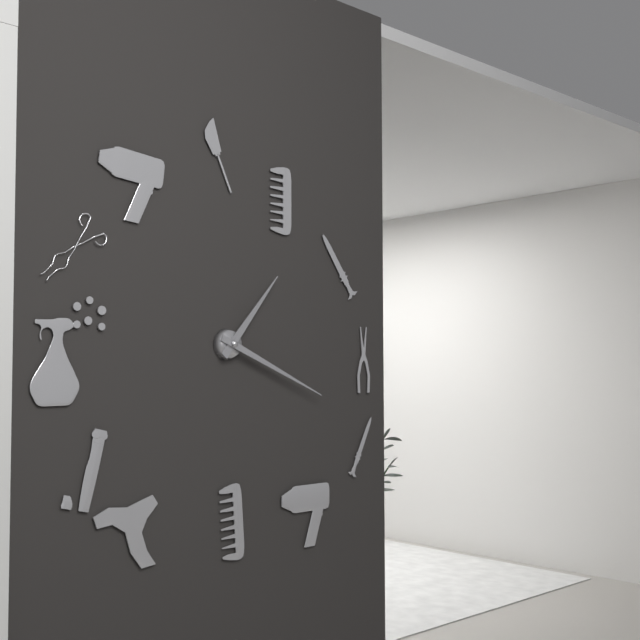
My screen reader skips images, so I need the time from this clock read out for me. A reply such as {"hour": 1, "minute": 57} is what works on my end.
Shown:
{"hour": 1, "minute": 19}
